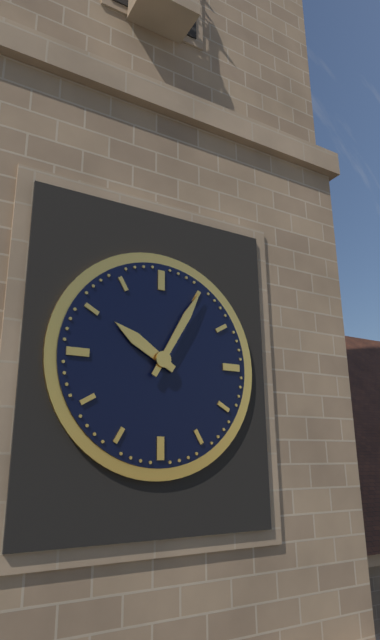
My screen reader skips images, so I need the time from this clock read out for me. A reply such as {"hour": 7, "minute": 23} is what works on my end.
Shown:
{"hour": 10, "minute": 5}
